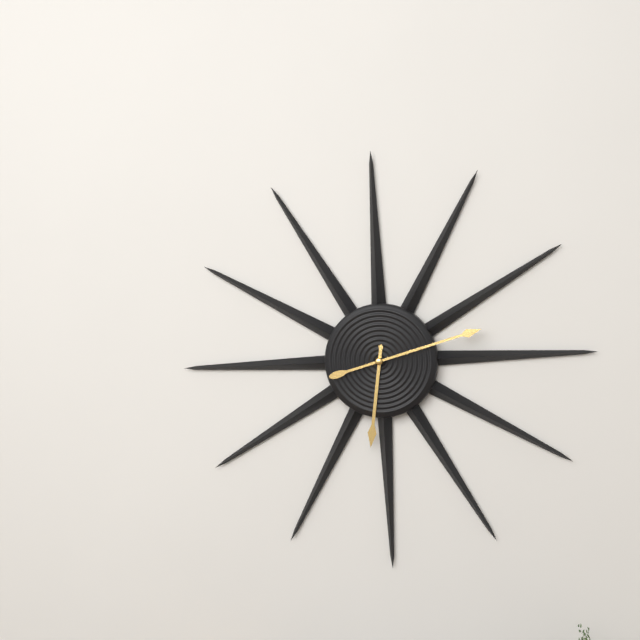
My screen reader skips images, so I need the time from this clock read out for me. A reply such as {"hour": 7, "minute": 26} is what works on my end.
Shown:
{"hour": 6, "minute": 12}
